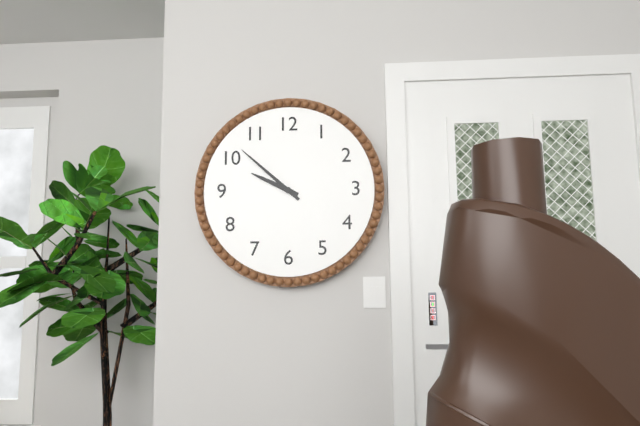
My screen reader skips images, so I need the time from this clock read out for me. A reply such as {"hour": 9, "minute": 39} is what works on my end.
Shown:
{"hour": 9, "minute": 52}
